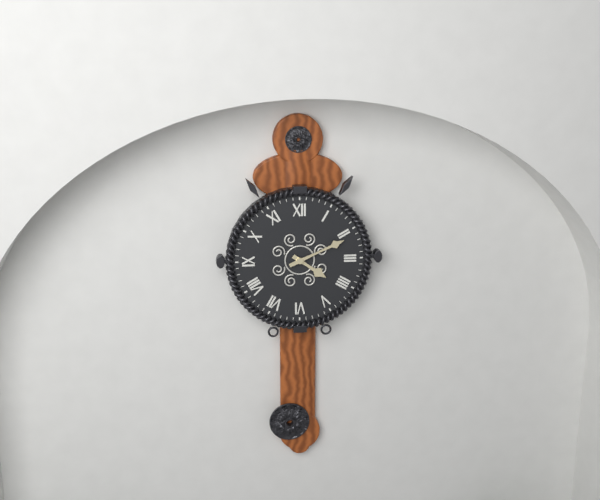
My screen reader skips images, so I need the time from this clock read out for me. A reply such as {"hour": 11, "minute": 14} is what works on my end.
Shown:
{"hour": 4, "minute": 11}
